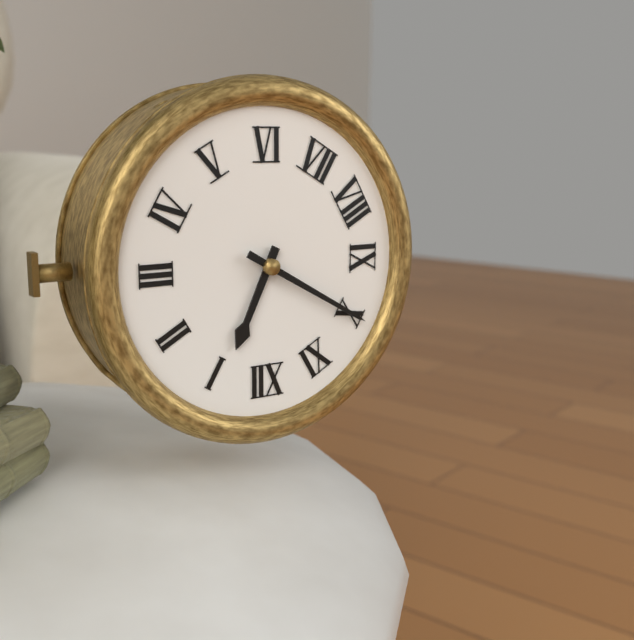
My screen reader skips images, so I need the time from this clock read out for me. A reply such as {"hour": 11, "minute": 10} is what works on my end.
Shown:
{"hour": 12, "minute": 50}
